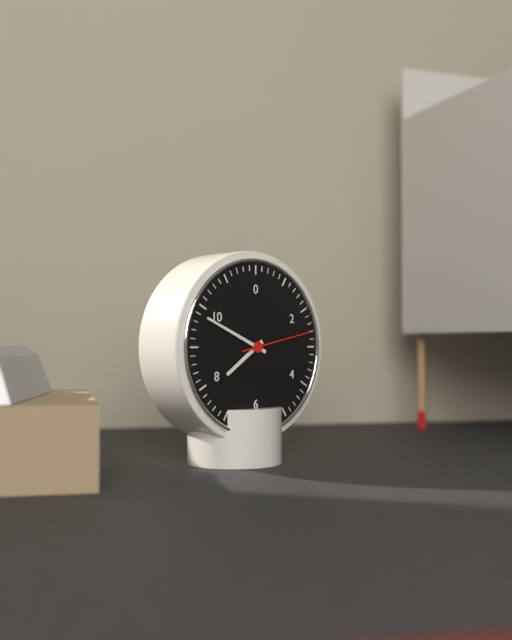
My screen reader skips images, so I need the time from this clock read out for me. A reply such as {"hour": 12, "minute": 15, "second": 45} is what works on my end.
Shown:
{"hour": 7, "minute": 49, "second": 13}
